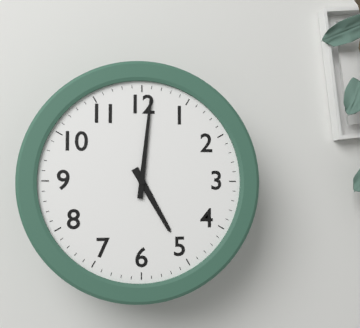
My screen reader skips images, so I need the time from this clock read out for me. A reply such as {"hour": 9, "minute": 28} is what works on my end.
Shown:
{"hour": 5, "minute": 1}
